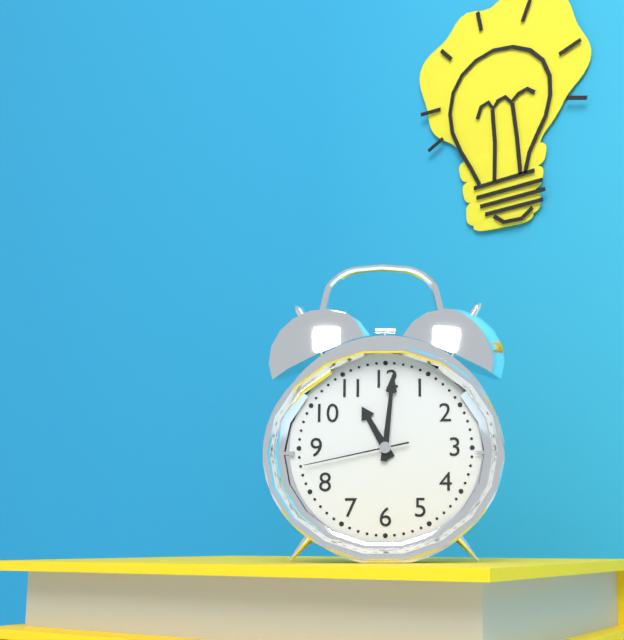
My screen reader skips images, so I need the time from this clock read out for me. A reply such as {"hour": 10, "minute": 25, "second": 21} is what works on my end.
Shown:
{"hour": 11, "minute": 1, "second": 43}
